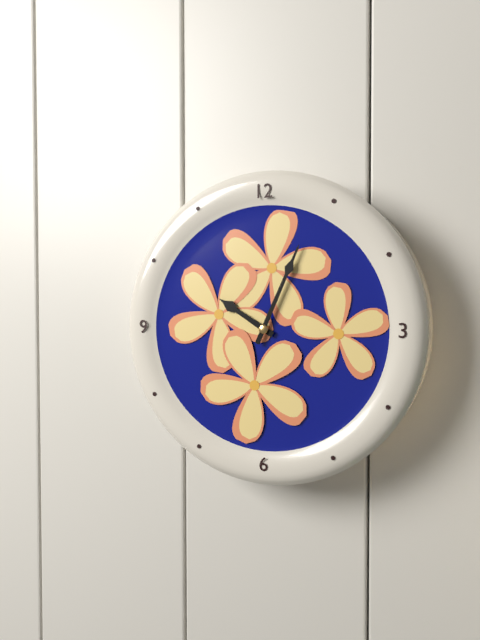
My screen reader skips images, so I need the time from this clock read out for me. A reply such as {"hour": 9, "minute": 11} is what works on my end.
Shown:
{"hour": 10, "minute": 4}
